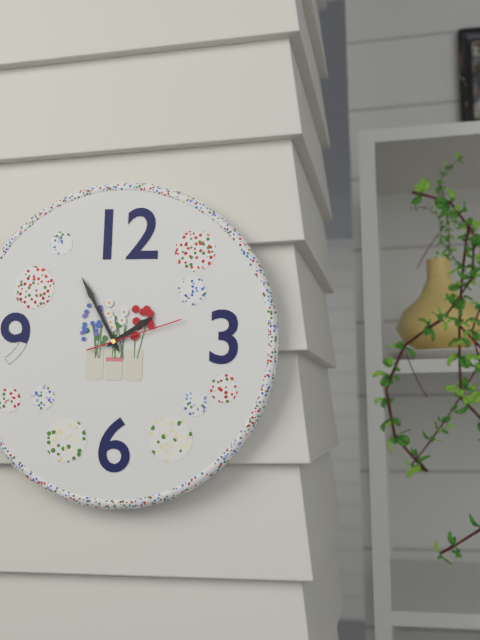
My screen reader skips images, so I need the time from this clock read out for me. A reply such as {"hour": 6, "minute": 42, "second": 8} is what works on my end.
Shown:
{"hour": 1, "minute": 55, "second": 12}
